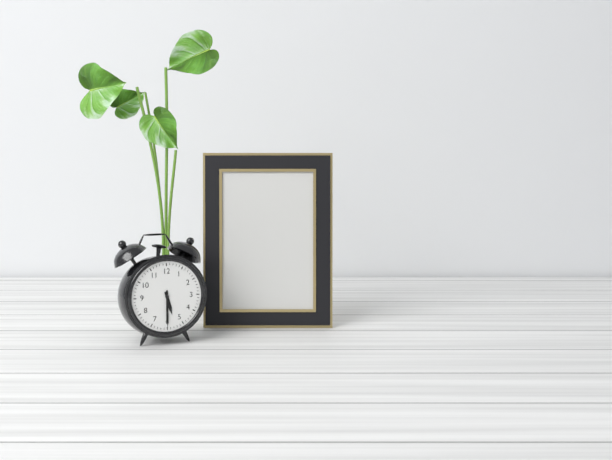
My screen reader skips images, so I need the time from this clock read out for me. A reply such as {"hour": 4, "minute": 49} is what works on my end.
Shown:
{"hour": 5, "minute": 30}
